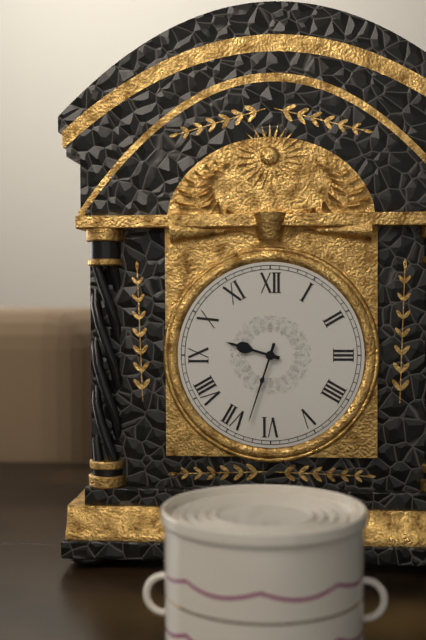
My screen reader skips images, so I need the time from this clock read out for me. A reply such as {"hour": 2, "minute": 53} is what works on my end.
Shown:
{"hour": 9, "minute": 33}
